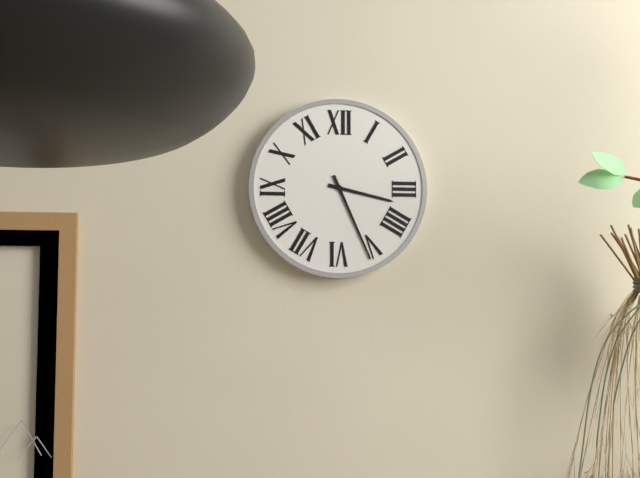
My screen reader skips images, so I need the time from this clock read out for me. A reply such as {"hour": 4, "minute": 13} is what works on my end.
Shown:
{"hour": 3, "minute": 26}
